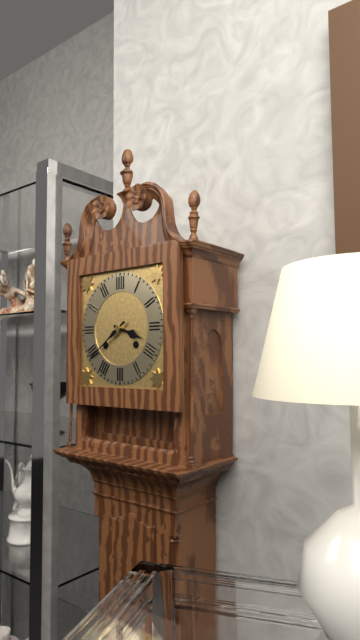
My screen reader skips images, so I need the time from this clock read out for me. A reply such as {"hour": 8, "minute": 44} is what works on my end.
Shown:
{"hour": 3, "minute": 39}
